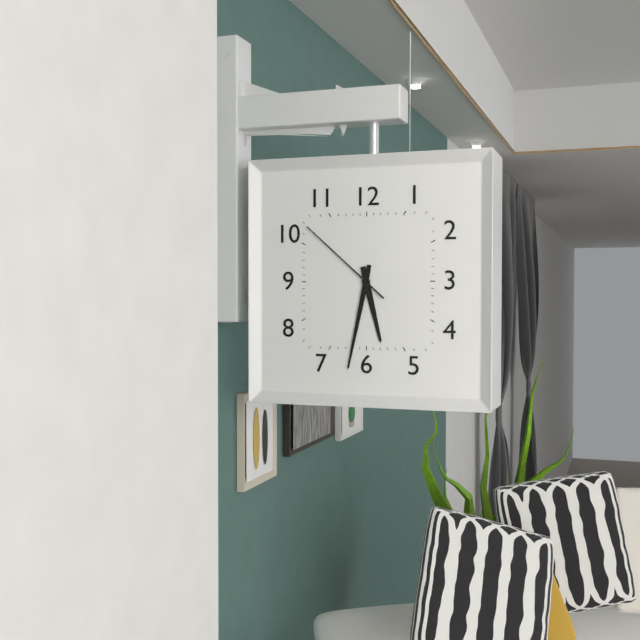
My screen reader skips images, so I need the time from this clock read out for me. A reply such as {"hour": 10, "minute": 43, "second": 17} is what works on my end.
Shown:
{"hour": 5, "minute": 32, "second": 52}
